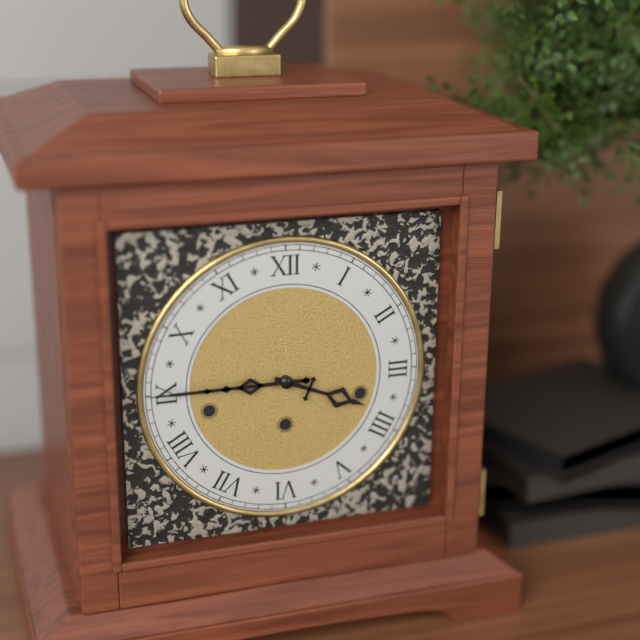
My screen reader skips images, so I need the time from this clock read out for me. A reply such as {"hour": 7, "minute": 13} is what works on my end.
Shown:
{"hour": 3, "minute": 45}
